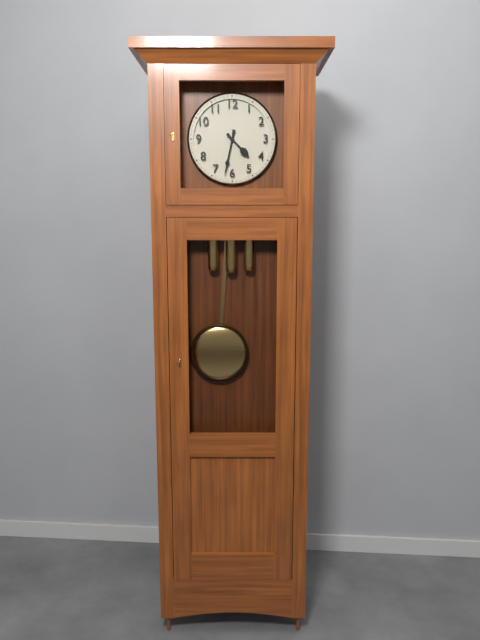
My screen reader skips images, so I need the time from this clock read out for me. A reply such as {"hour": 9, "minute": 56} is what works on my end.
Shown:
{"hour": 4, "minute": 32}
